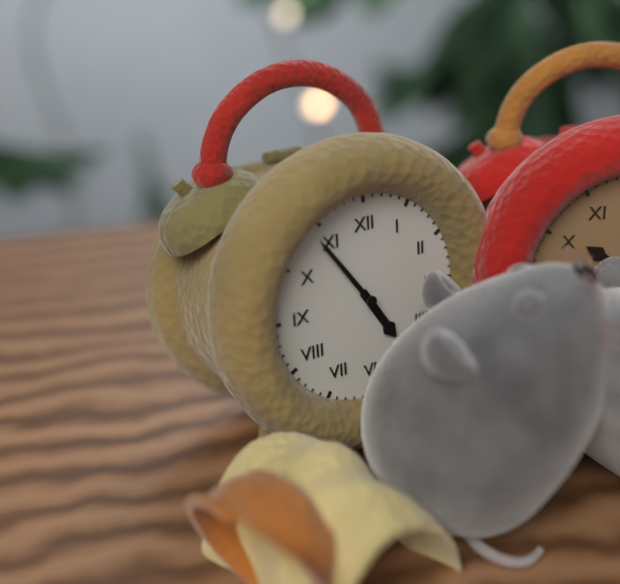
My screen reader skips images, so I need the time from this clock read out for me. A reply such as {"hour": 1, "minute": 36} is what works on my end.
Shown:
{"hour": 4, "minute": 54}
